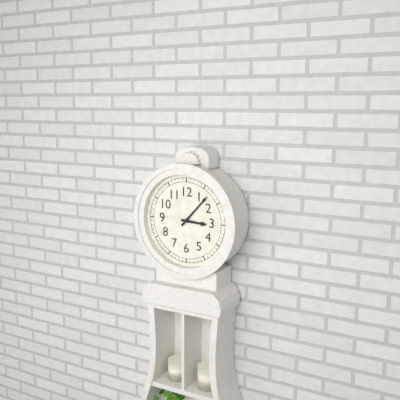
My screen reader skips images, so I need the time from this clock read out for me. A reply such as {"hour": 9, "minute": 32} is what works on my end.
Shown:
{"hour": 3, "minute": 7}
